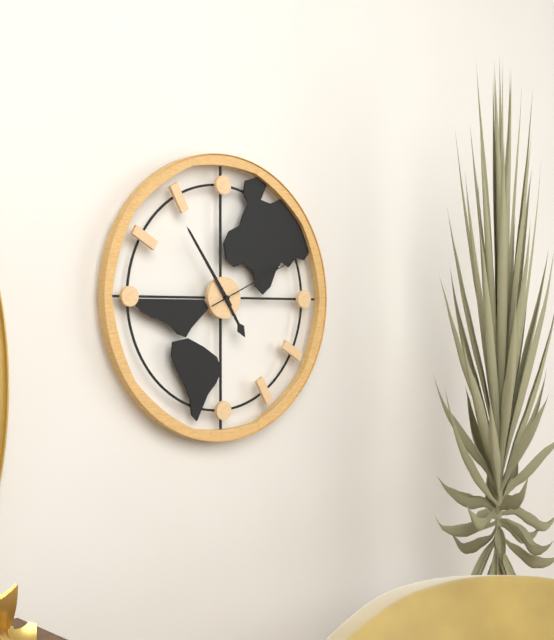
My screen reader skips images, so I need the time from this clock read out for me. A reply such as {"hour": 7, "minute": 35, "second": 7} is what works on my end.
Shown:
{"hour": 4, "minute": 54, "second": 11}
